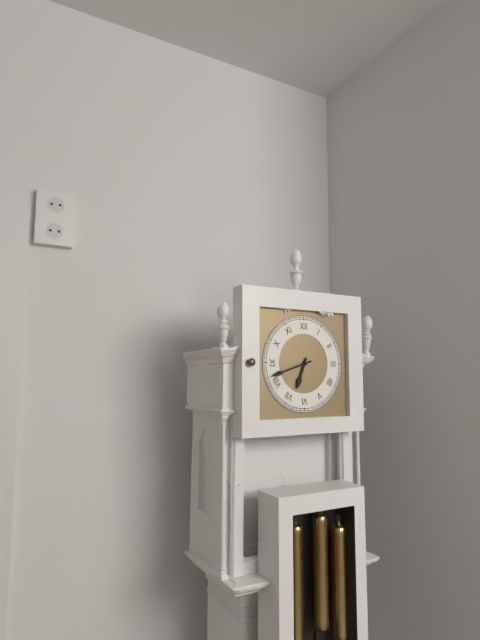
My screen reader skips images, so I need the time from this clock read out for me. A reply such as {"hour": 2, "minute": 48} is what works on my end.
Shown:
{"hour": 6, "minute": 42}
